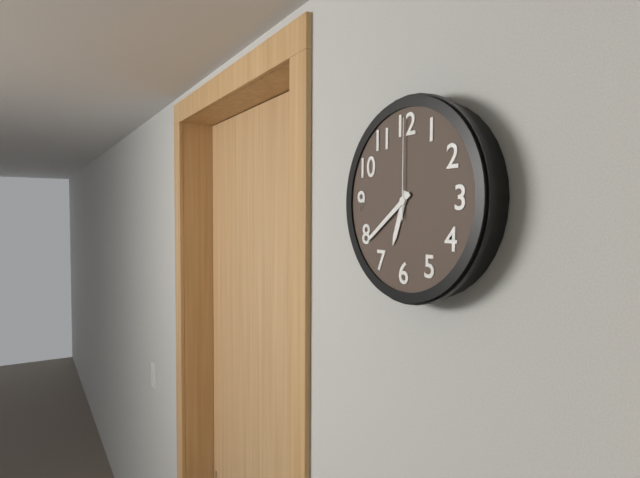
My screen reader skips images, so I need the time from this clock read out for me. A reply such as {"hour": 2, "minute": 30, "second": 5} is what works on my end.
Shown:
{"hour": 6, "minute": 39, "second": 0}
